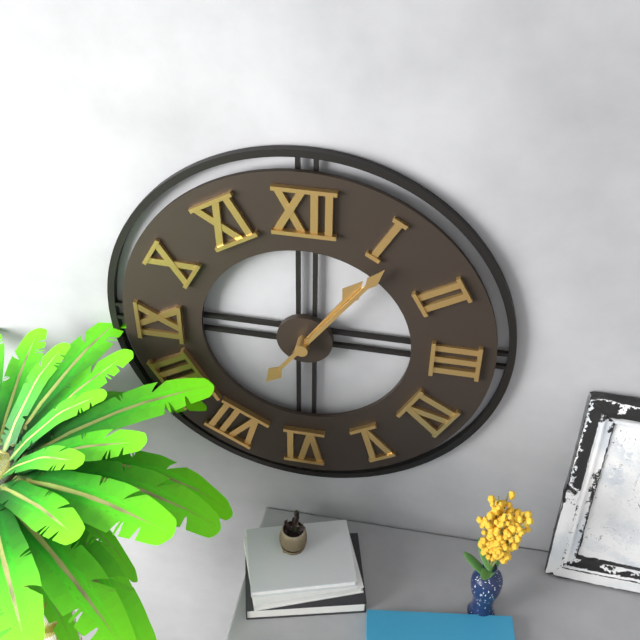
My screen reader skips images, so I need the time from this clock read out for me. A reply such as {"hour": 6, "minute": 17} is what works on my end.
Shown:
{"hour": 1, "minute": 6}
